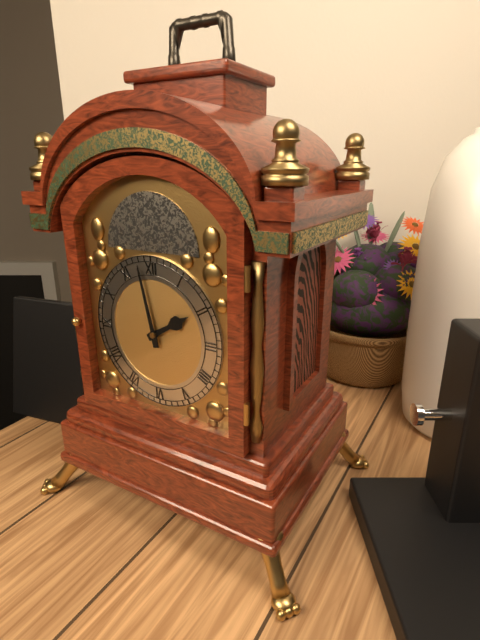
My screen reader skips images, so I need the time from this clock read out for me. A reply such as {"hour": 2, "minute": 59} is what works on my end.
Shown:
{"hour": 1, "minute": 58}
